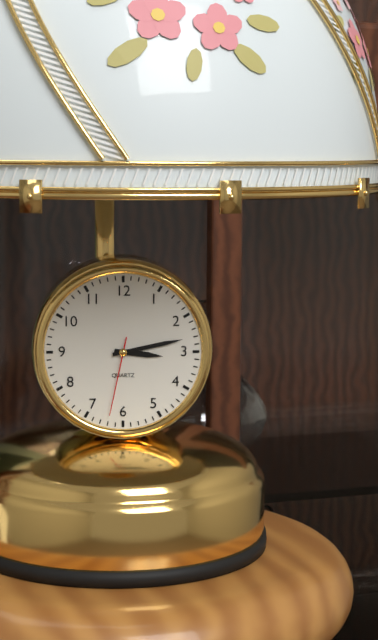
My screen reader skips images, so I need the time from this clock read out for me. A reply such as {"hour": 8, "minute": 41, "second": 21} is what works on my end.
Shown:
{"hour": 3, "minute": 13, "second": 32}
